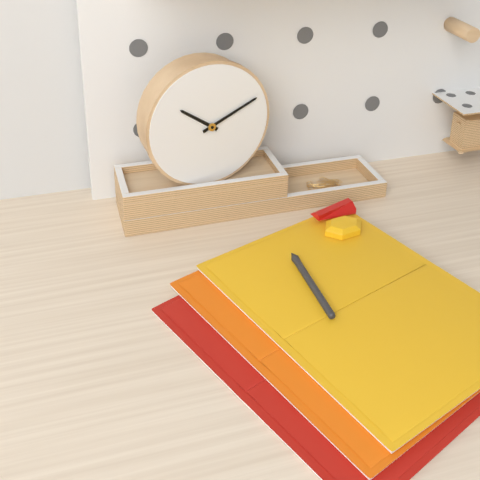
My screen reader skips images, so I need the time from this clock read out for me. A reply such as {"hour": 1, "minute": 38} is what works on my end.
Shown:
{"hour": 10, "minute": 11}
